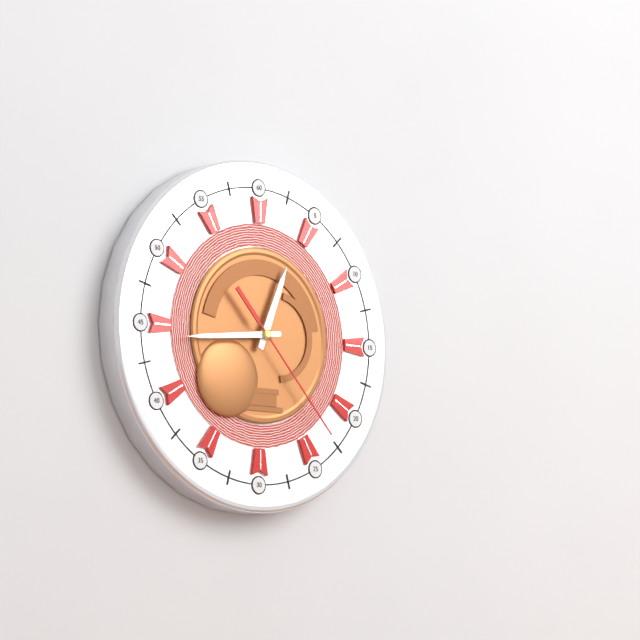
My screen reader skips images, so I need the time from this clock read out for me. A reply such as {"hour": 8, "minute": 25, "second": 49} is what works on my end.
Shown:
{"hour": 12, "minute": 44, "second": 23}
